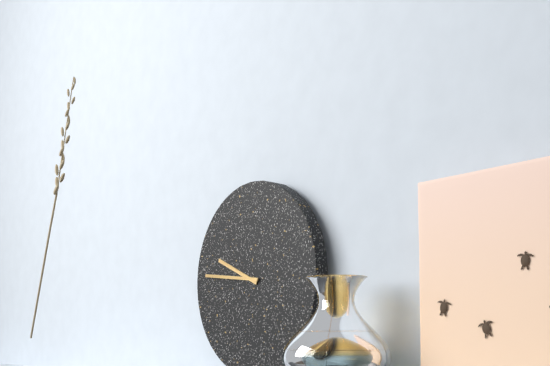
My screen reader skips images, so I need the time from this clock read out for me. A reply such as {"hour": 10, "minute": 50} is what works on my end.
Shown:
{"hour": 9, "minute": 46}
